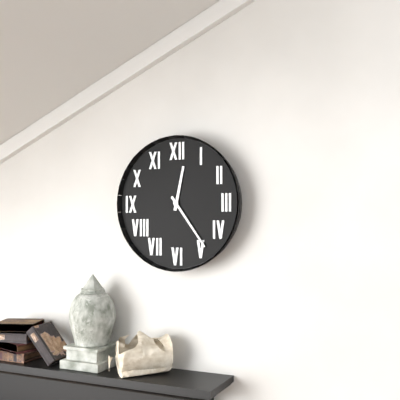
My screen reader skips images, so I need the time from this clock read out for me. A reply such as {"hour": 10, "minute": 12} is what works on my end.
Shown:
{"hour": 12, "minute": 24}
